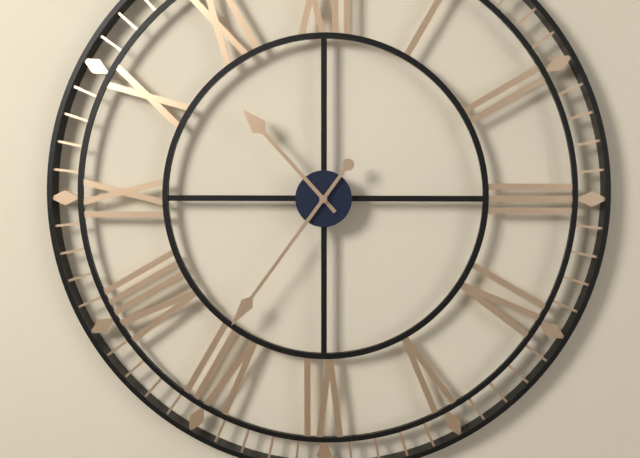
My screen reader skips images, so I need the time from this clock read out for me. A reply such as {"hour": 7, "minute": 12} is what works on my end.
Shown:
{"hour": 10, "minute": 36}
